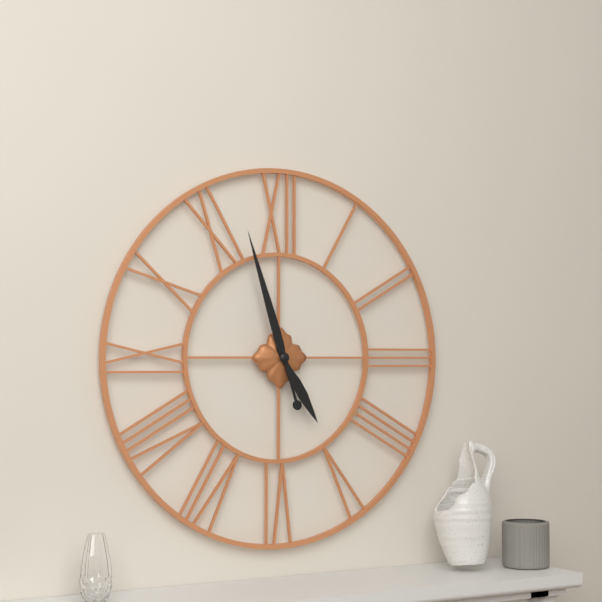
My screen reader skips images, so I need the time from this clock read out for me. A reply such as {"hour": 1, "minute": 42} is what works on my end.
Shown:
{"hour": 4, "minute": 57}
